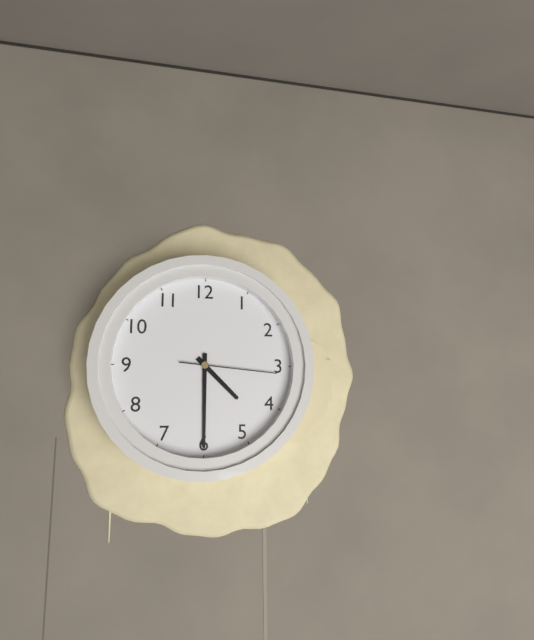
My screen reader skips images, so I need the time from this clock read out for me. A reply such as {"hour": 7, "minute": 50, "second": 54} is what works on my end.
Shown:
{"hour": 4, "minute": 30, "second": 16}
